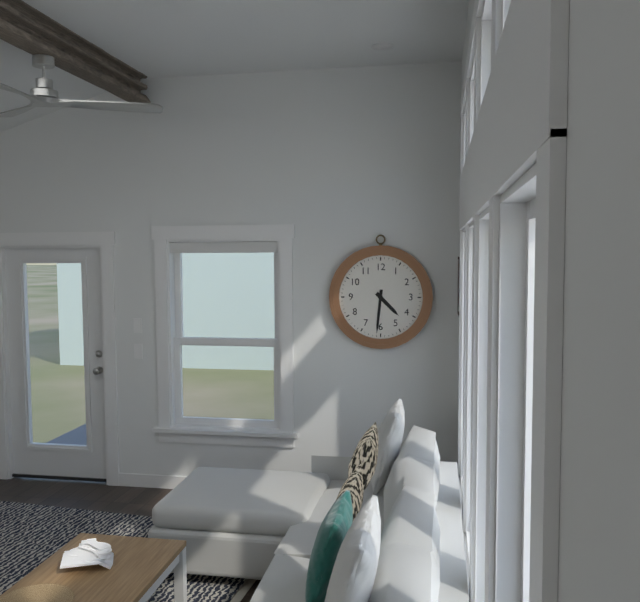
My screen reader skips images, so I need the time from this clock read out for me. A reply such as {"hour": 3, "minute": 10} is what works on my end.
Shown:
{"hour": 4, "minute": 31}
